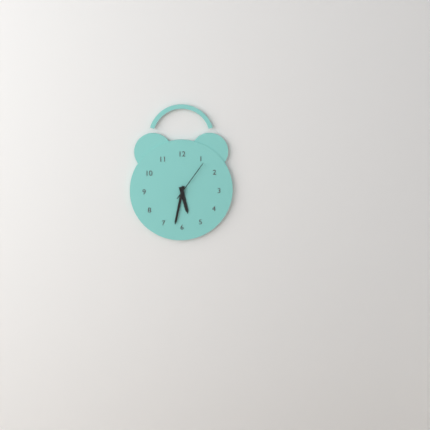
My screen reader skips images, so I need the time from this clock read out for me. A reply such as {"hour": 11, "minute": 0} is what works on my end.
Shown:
{"hour": 5, "minute": 32}
